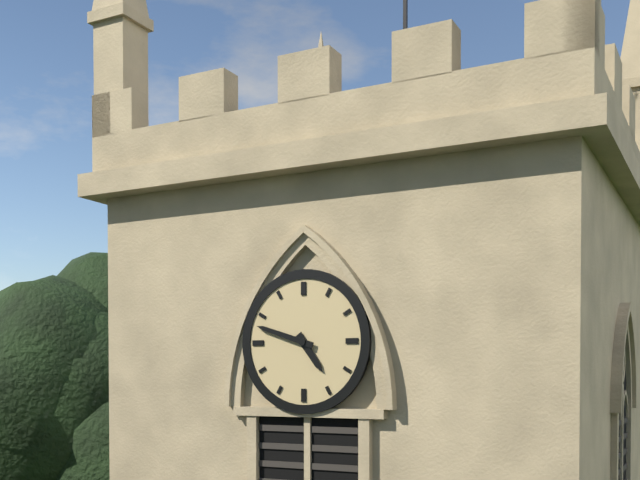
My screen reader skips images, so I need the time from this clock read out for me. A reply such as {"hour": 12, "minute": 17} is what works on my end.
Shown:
{"hour": 4, "minute": 48}
